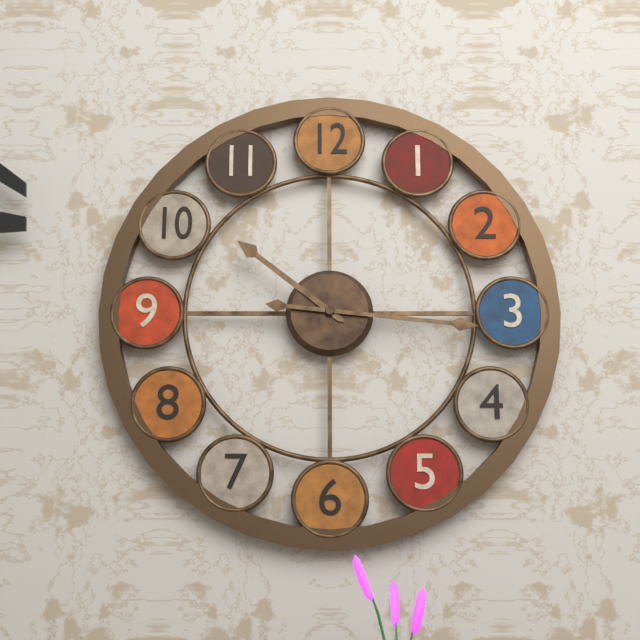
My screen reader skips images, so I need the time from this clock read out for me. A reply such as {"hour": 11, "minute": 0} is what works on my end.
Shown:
{"hour": 10, "minute": 16}
